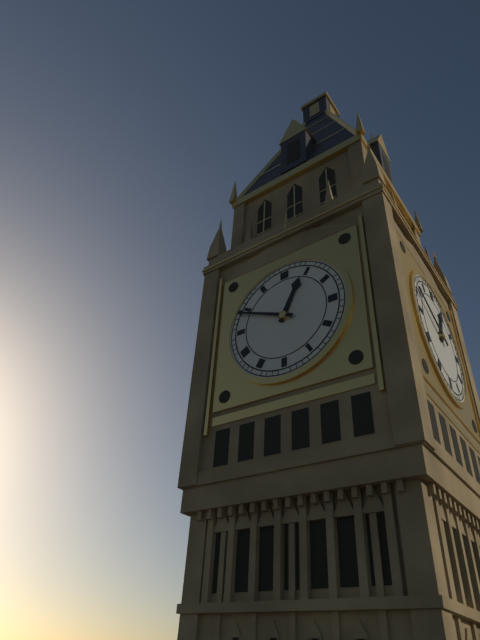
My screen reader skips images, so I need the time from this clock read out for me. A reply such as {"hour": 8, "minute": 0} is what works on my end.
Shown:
{"hour": 12, "minute": 49}
